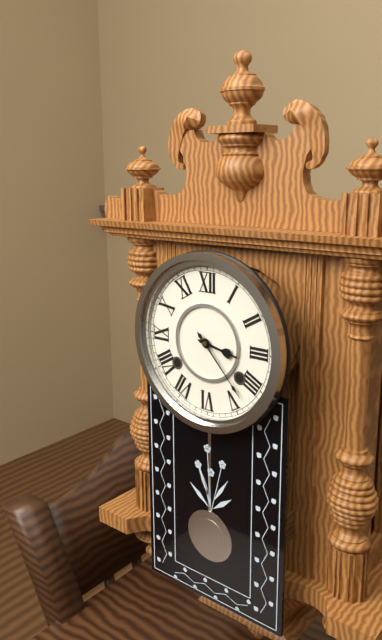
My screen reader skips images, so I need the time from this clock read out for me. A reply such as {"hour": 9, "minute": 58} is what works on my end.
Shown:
{"hour": 3, "minute": 23}
